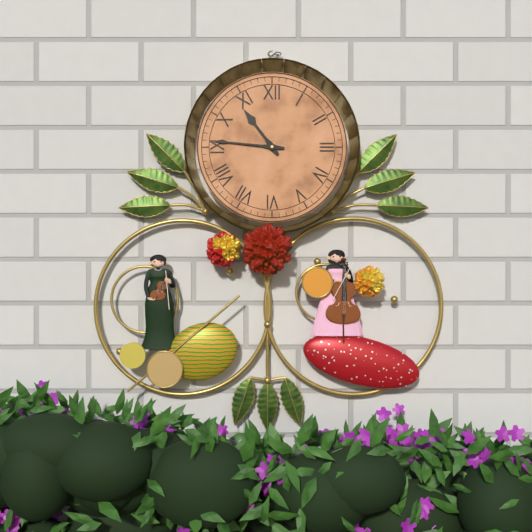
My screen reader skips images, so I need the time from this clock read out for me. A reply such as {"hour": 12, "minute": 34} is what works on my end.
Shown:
{"hour": 10, "minute": 46}
